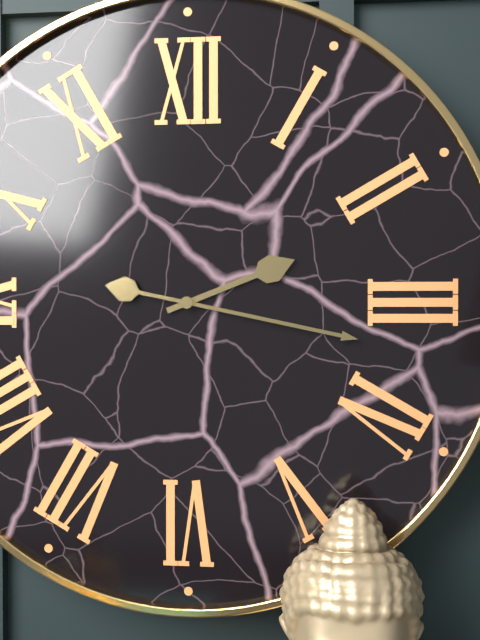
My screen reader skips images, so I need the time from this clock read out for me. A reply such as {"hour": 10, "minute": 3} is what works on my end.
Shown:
{"hour": 2, "minute": 17}
